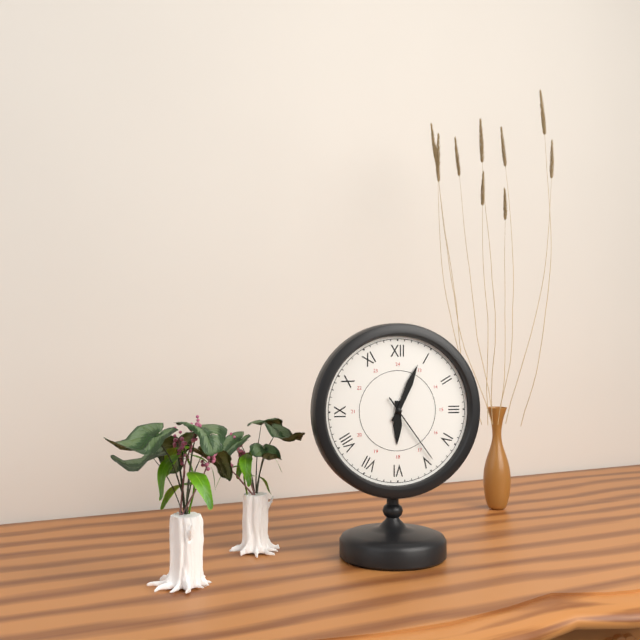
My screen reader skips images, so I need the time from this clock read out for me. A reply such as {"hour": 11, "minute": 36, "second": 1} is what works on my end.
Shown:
{"hour": 6, "minute": 4, "second": 24}
